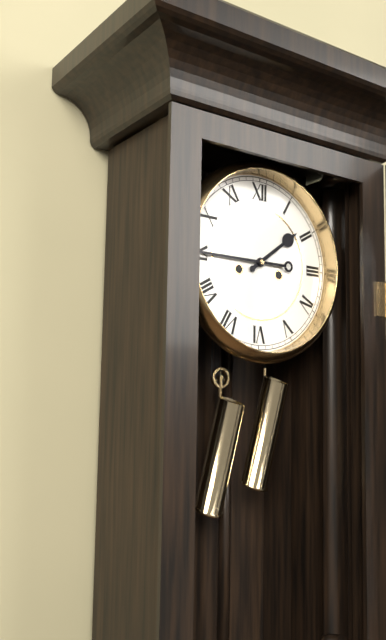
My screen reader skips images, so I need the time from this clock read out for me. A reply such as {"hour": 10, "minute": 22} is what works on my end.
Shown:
{"hour": 1, "minute": 45}
